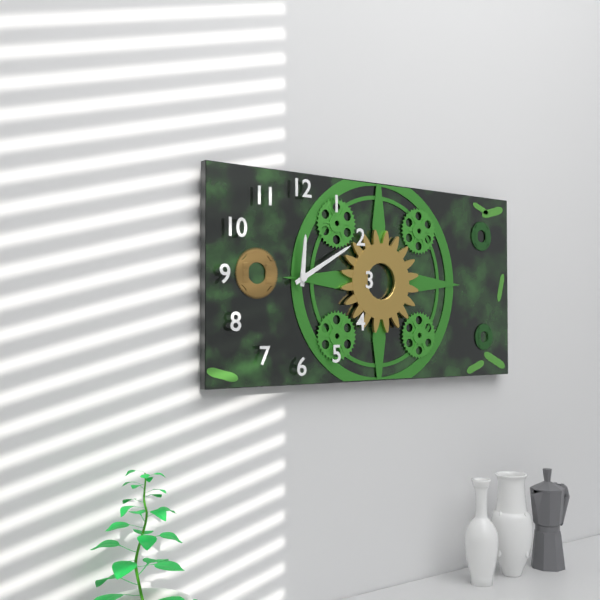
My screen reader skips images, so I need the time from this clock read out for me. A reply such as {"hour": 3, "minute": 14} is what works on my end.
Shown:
{"hour": 12, "minute": 10}
